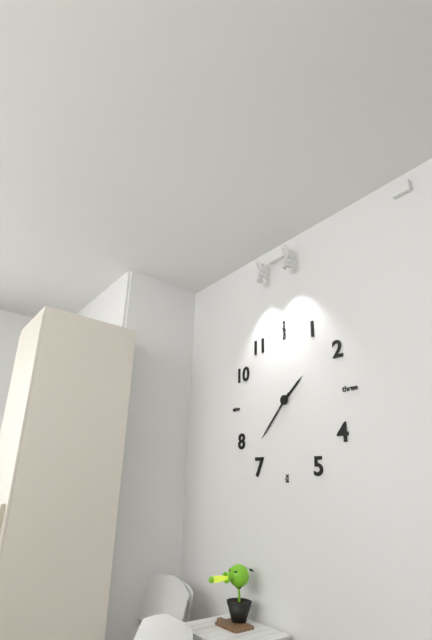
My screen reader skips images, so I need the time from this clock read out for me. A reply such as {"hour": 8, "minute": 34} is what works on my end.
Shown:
{"hour": 1, "minute": 37}
